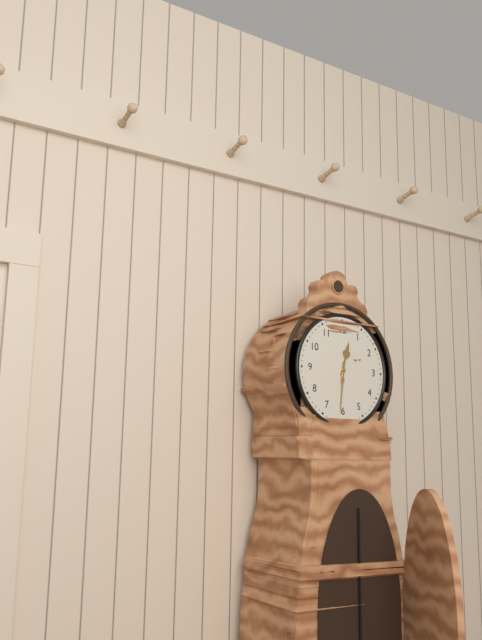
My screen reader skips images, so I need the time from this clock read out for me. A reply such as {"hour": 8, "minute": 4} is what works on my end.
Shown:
{"hour": 12, "minute": 31}
